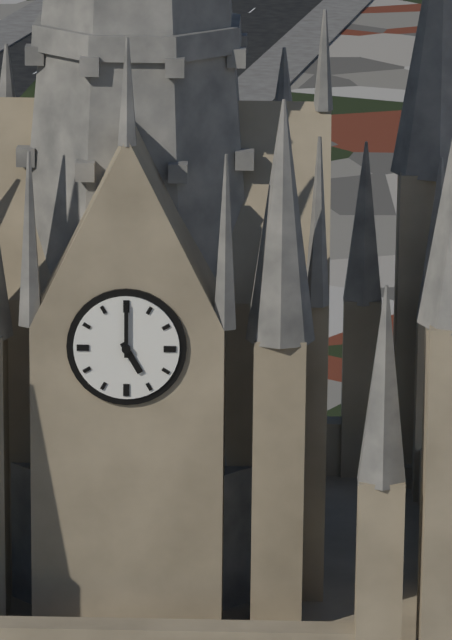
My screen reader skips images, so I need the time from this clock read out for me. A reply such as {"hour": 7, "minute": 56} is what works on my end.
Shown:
{"hour": 5, "minute": 0}
